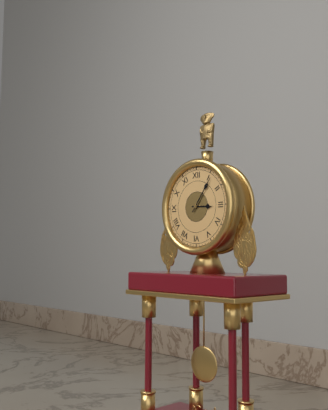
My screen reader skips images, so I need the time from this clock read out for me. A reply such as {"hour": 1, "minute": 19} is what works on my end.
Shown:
{"hour": 3, "minute": 6}
